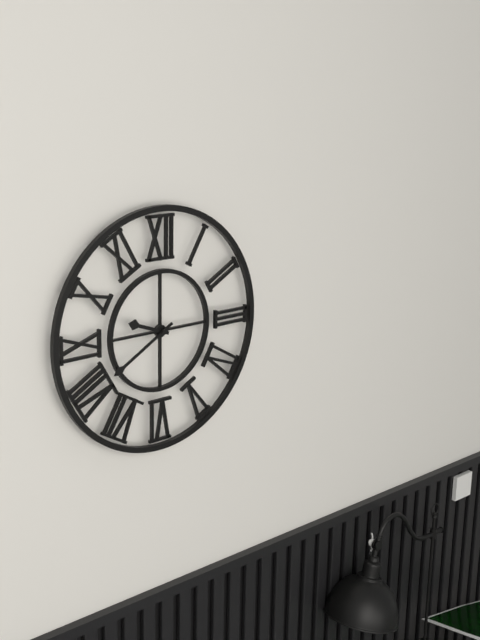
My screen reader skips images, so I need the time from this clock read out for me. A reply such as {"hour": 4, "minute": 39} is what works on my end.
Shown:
{"hour": 9, "minute": 40}
